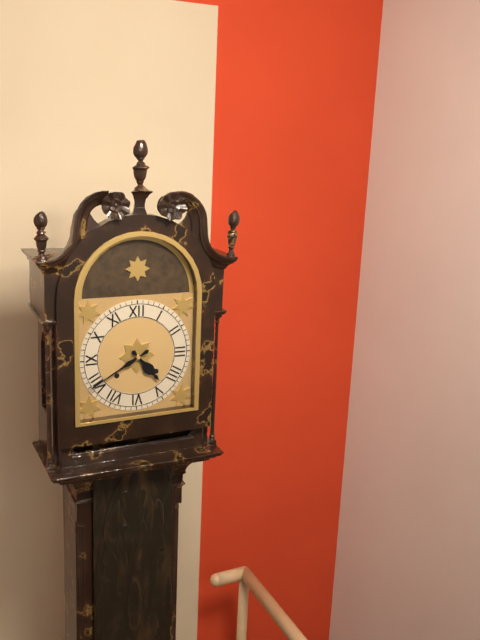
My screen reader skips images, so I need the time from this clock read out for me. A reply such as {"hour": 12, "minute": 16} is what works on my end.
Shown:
{"hour": 4, "minute": 40}
